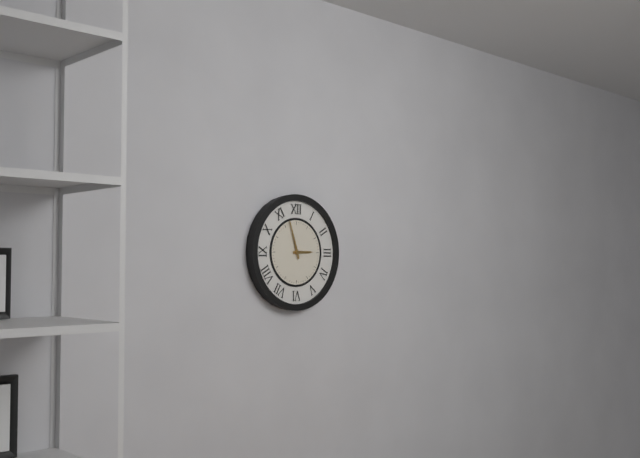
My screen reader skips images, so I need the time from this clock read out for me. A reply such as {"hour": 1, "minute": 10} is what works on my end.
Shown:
{"hour": 2, "minute": 57}
